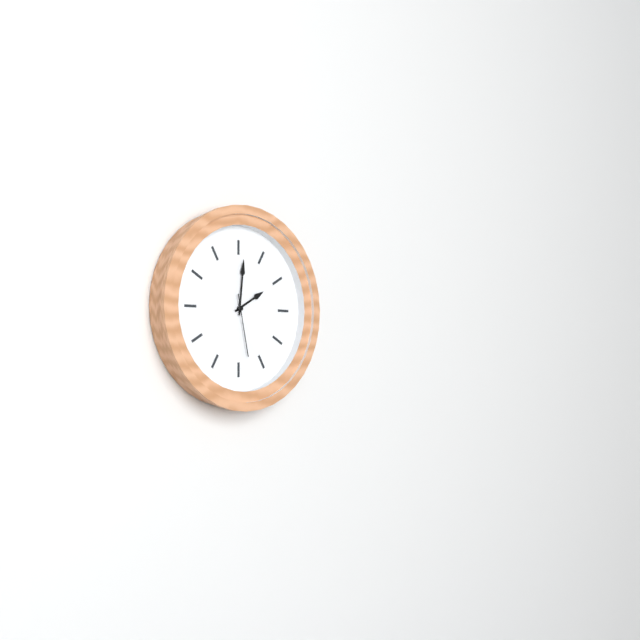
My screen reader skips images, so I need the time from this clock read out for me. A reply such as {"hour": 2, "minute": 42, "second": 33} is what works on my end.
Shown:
{"hour": 2, "minute": 1, "second": 28}
